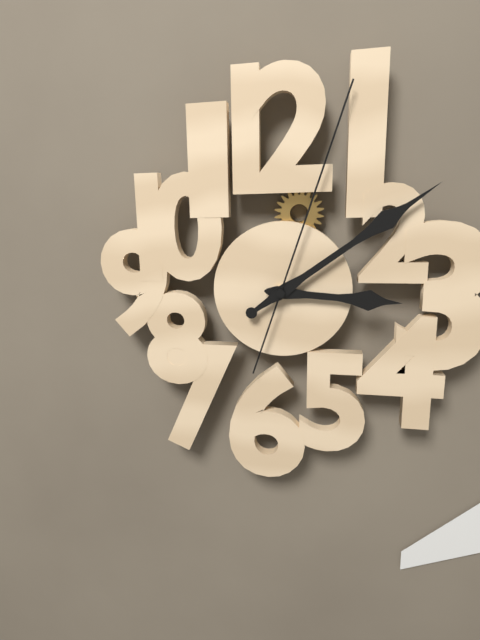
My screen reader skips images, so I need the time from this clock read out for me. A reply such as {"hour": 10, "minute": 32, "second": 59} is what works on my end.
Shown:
{"hour": 3, "minute": 9, "second": 3}
